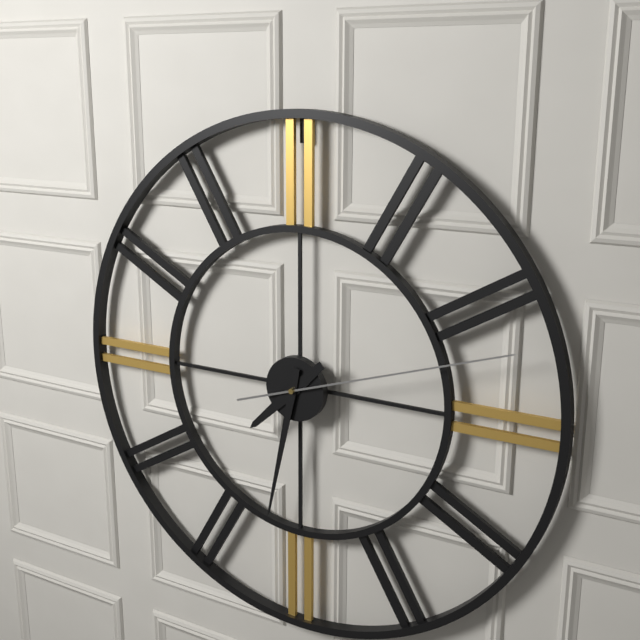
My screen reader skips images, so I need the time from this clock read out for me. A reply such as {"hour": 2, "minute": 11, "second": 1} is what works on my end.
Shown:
{"hour": 7, "minute": 32, "second": 12}
